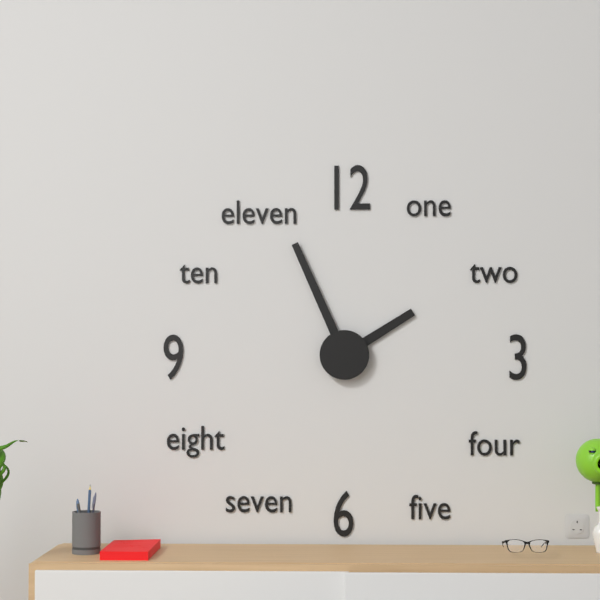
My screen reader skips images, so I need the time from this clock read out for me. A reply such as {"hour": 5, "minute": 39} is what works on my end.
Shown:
{"hour": 1, "minute": 56}
